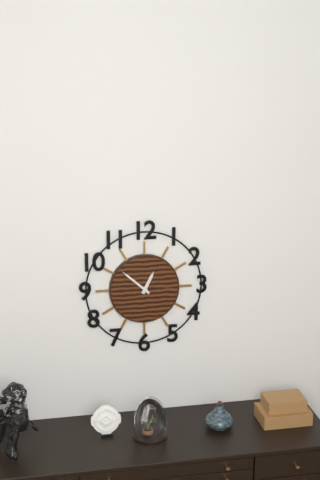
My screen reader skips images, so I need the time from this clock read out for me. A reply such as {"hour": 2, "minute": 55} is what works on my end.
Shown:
{"hour": 12, "minute": 52}
